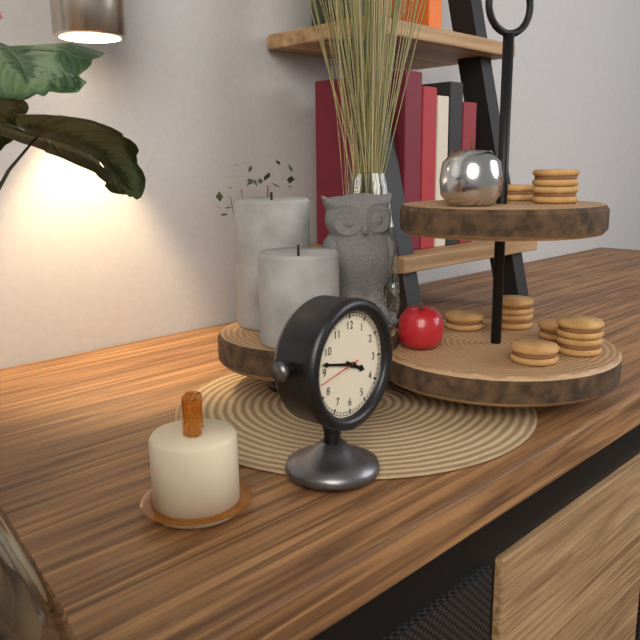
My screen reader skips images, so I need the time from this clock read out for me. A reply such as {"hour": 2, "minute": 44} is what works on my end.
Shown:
{"hour": 3, "minute": 47}
